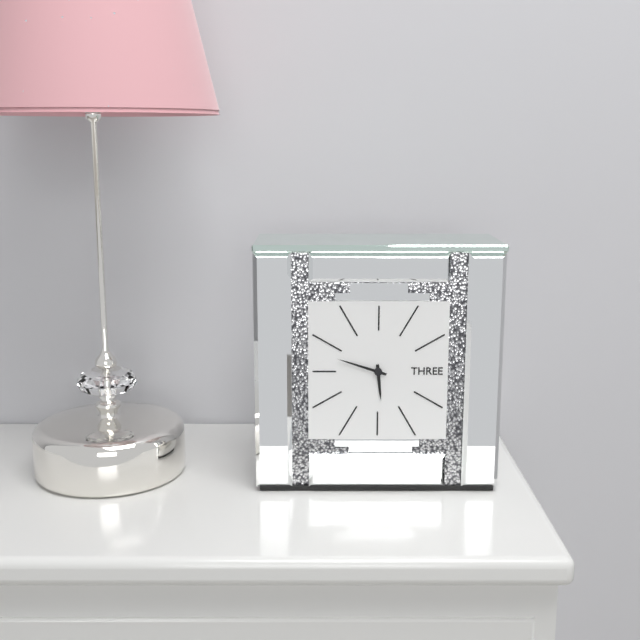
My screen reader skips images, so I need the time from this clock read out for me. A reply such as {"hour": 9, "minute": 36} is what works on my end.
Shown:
{"hour": 5, "minute": 48}
